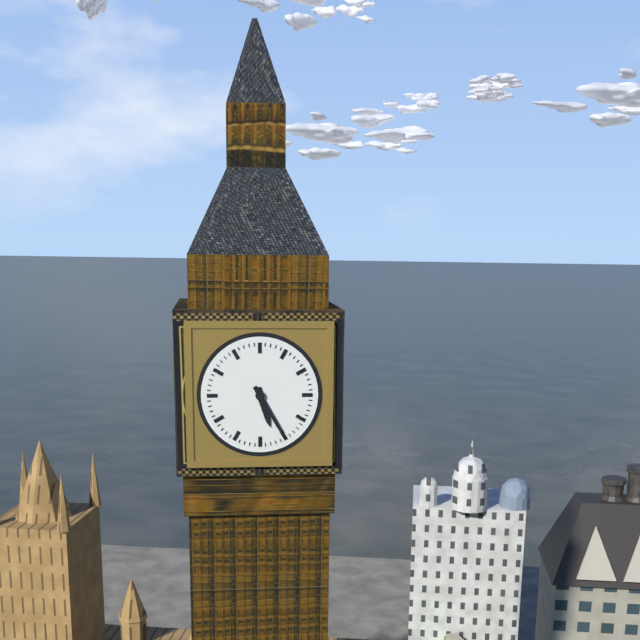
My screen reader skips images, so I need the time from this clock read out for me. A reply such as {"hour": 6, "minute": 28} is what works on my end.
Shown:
{"hour": 5, "minute": 25}
